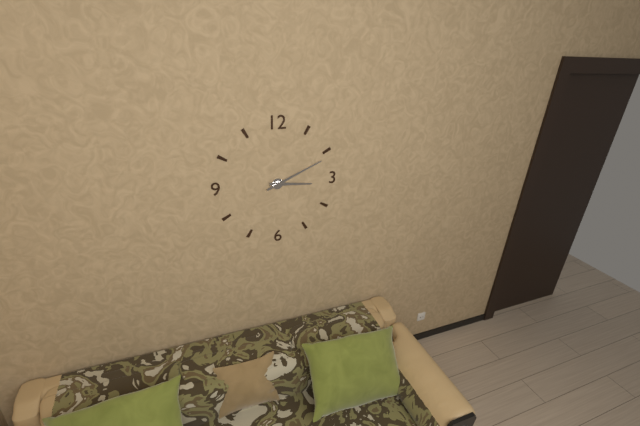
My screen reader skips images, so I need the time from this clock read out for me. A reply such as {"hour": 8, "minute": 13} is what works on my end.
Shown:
{"hour": 3, "minute": 11}
